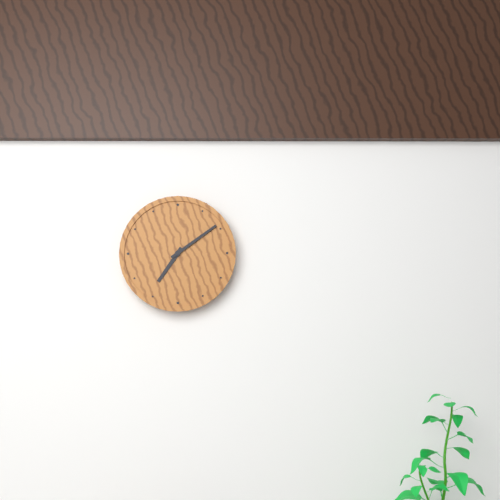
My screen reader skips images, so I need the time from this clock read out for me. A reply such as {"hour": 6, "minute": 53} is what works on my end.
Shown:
{"hour": 7, "minute": 9}
